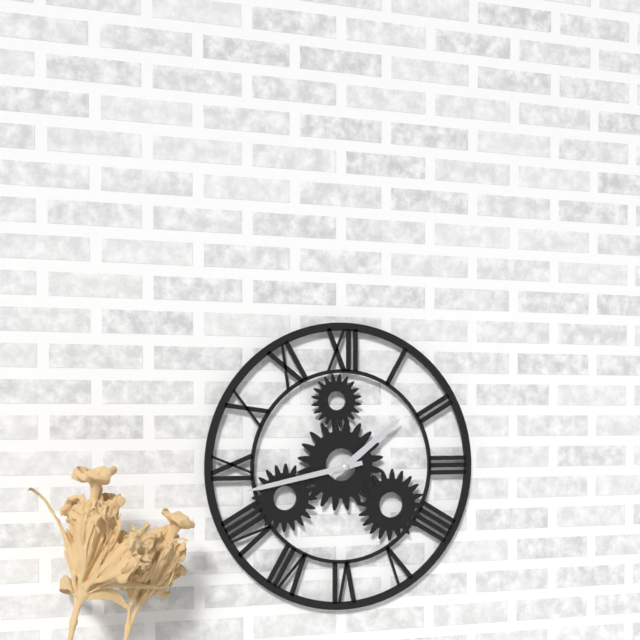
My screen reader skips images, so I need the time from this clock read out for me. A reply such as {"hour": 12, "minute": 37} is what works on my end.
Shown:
{"hour": 1, "minute": 43}
